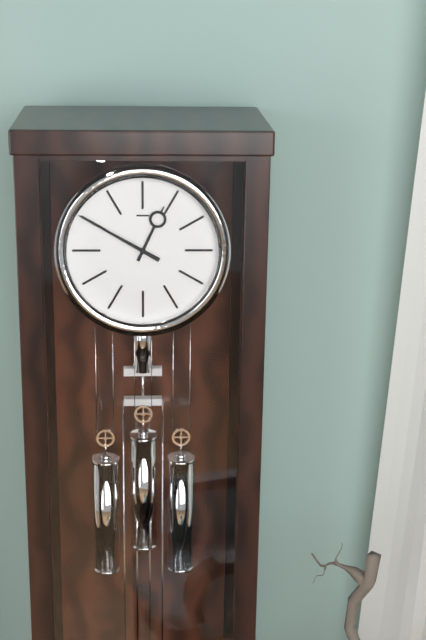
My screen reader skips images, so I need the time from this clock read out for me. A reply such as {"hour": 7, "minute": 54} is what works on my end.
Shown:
{"hour": 12, "minute": 50}
